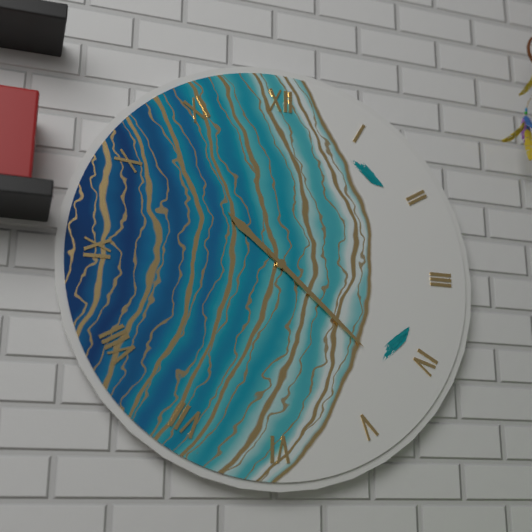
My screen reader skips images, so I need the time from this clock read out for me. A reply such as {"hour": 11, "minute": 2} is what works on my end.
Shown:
{"hour": 10, "minute": 22}
